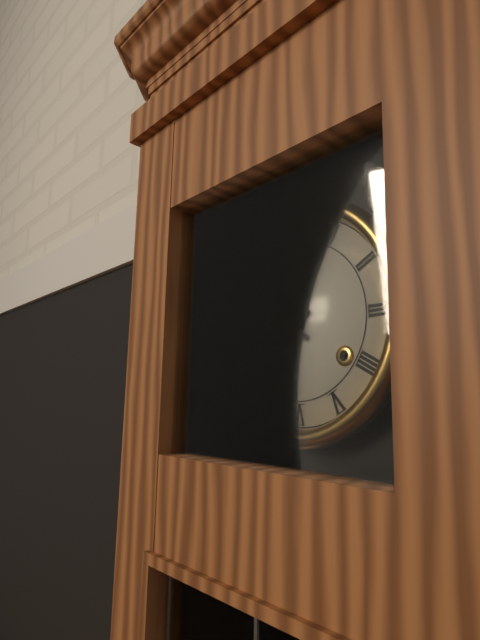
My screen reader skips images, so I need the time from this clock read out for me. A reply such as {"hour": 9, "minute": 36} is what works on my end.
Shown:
{"hour": 7, "minute": 55}
